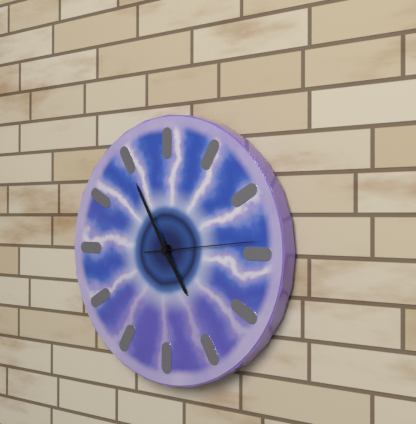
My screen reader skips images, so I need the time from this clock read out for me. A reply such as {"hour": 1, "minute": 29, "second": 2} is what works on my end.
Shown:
{"hour": 4, "minute": 55, "second": 14}
